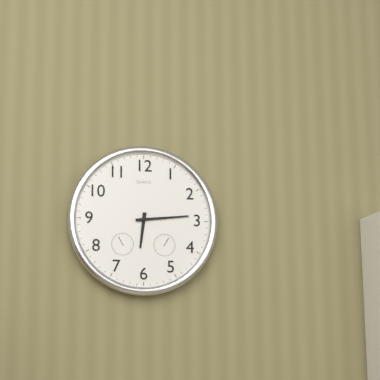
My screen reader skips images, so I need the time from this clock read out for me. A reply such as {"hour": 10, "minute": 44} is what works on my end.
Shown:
{"hour": 6, "minute": 14}
